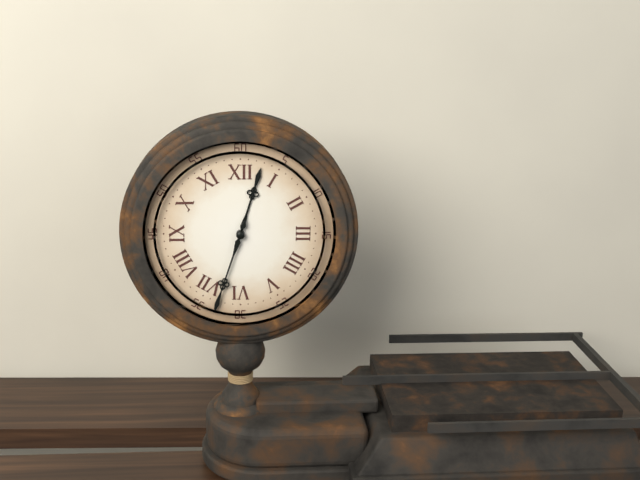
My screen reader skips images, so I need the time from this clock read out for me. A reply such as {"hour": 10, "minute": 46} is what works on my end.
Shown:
{"hour": 12, "minute": 33}
